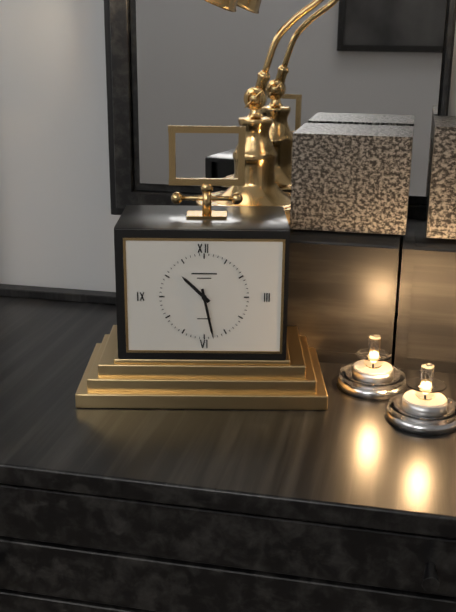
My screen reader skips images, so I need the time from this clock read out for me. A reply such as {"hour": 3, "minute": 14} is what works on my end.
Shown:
{"hour": 10, "minute": 28}
